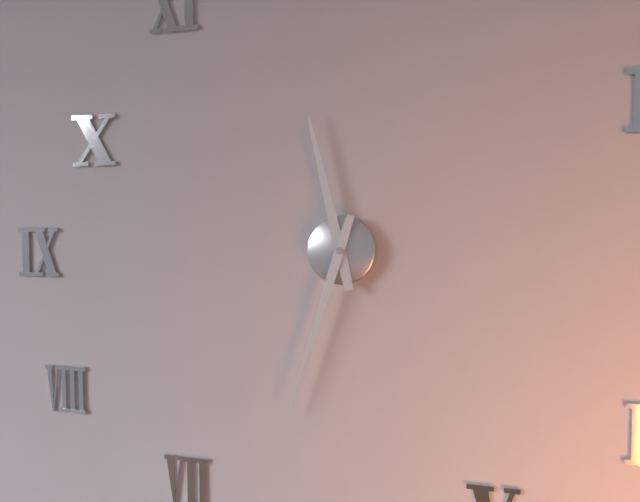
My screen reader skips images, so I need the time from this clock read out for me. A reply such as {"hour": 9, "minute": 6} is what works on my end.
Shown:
{"hour": 11, "minute": 33}
